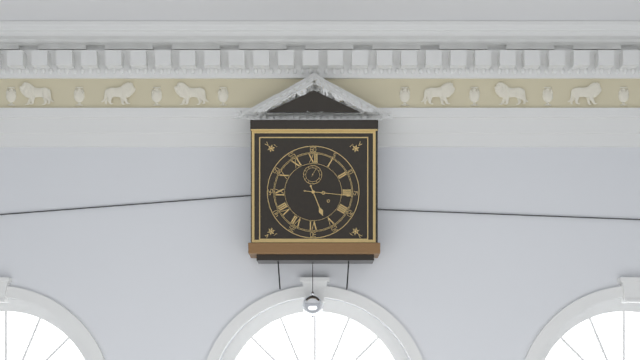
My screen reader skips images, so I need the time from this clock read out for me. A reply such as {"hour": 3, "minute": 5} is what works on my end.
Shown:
{"hour": 5, "minute": 16}
